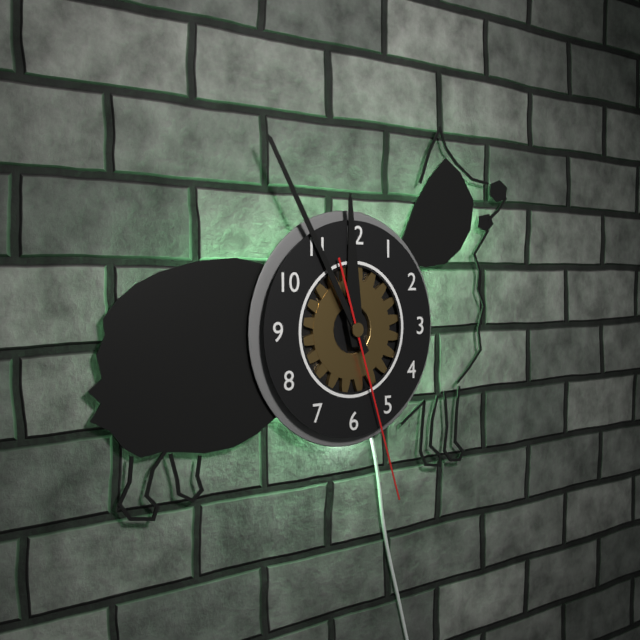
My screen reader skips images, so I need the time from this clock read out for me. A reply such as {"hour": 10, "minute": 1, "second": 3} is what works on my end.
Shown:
{"hour": 11, "minute": 55, "second": 27}
